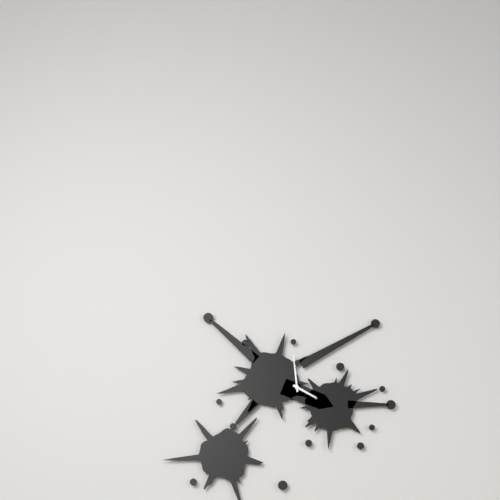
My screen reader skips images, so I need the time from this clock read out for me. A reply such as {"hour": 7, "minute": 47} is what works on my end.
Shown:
{"hour": 3, "minute": 59}
